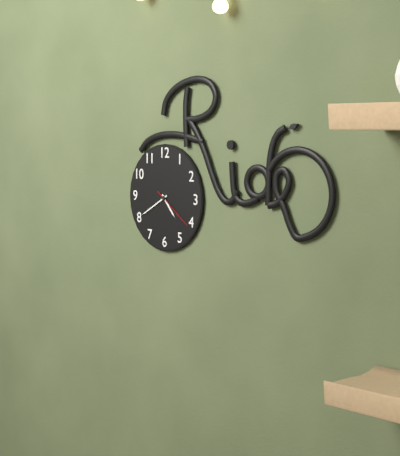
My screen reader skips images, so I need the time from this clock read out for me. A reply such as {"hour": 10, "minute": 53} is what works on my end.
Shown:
{"hour": 4, "minute": 40}
